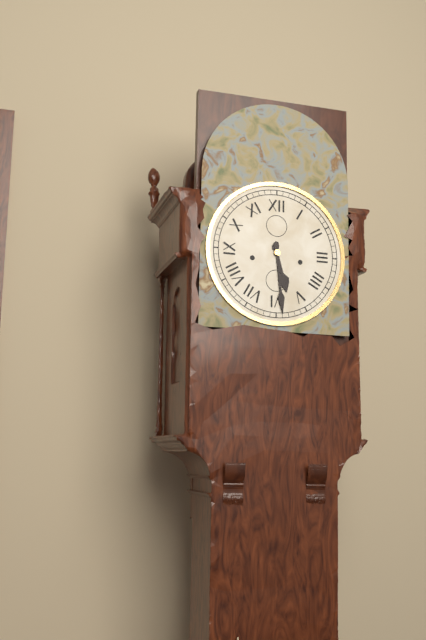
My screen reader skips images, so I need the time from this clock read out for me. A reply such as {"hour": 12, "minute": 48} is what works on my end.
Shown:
{"hour": 5, "minute": 29}
